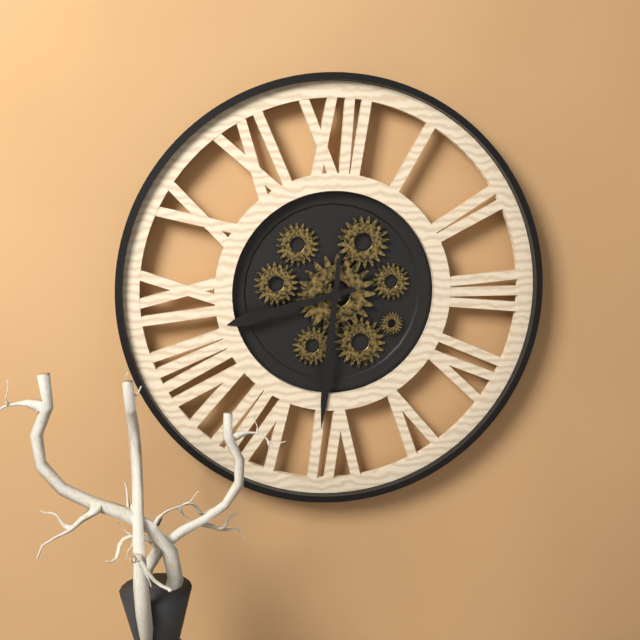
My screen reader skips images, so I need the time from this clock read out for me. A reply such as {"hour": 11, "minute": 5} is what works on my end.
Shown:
{"hour": 8, "minute": 31}
